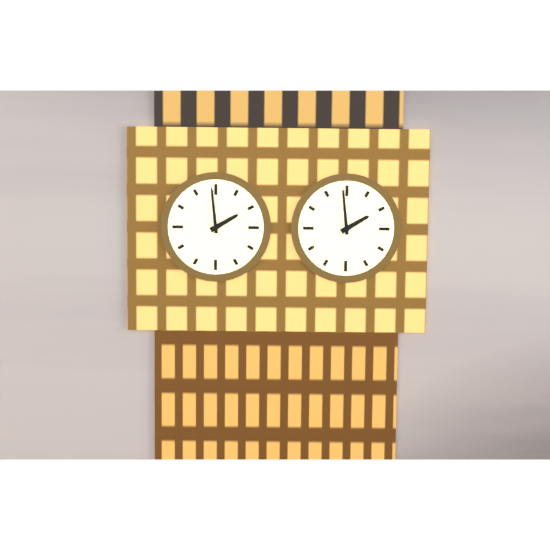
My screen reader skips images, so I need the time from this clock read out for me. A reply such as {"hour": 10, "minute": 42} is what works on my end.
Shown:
{"hour": 1, "minute": 59}
